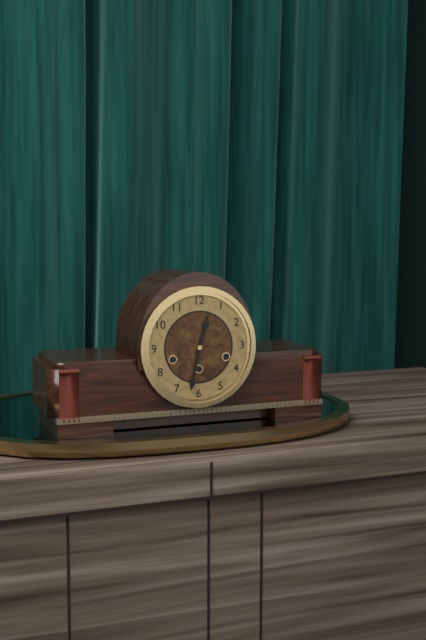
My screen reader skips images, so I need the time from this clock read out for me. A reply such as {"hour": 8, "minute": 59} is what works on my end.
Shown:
{"hour": 12, "minute": 32}
